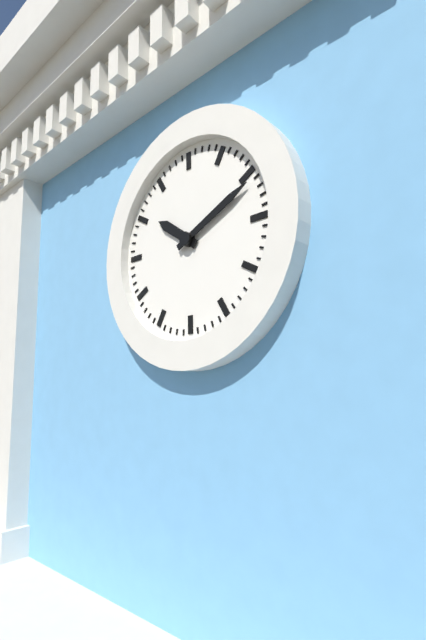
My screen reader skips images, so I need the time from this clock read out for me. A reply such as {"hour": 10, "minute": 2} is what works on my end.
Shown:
{"hour": 10, "minute": 11}
